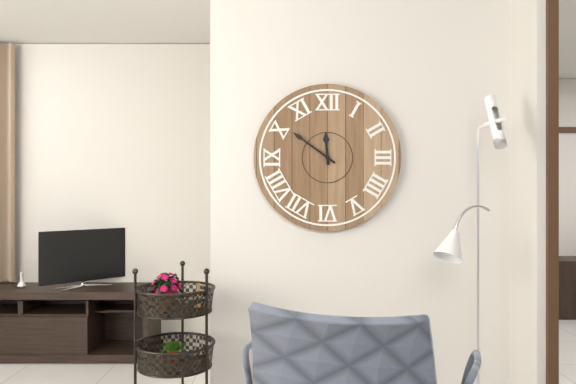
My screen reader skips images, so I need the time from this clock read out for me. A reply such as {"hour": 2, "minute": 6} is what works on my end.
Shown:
{"hour": 11, "minute": 51}
